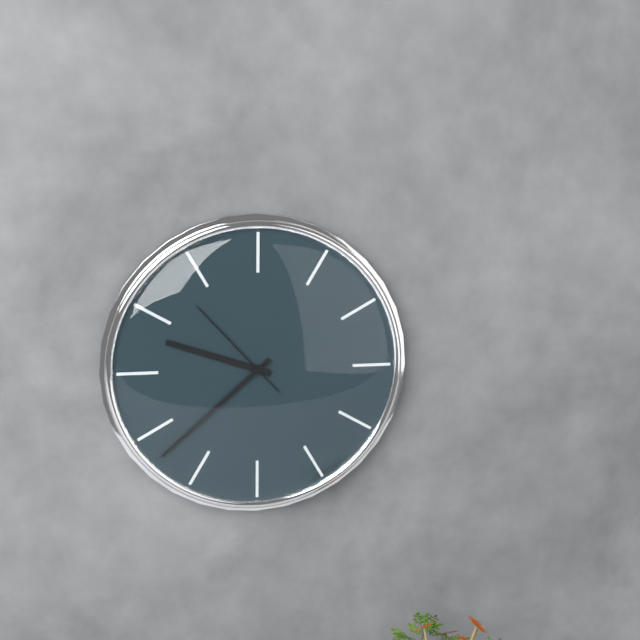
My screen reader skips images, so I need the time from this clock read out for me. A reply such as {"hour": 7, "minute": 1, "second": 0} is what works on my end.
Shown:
{"hour": 9, "minute": 38, "second": 53}
